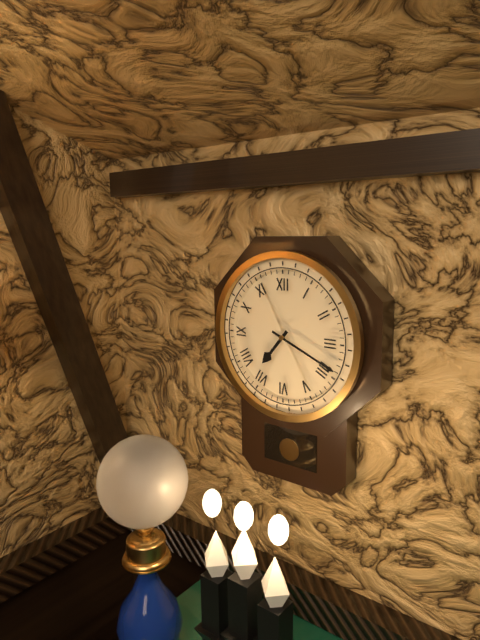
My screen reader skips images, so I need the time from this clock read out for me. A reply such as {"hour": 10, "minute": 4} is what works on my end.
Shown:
{"hour": 7, "minute": 19}
